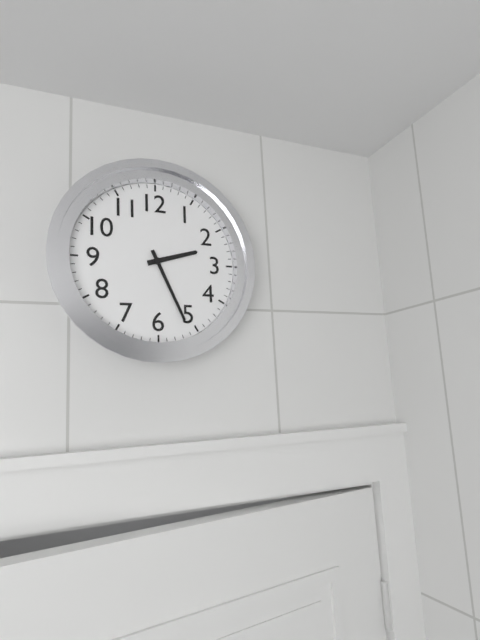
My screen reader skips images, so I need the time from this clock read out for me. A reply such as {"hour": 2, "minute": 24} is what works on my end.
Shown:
{"hour": 2, "minute": 26}
